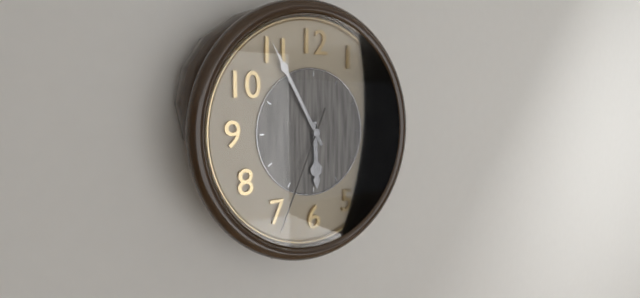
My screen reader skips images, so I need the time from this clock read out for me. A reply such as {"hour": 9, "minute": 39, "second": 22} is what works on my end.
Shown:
{"hour": 5, "minute": 55, "second": 34}
